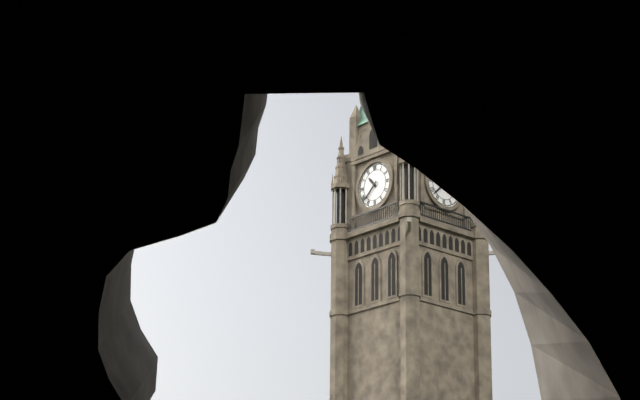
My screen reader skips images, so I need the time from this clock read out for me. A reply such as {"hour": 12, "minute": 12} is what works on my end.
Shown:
{"hour": 10, "minute": 38}
